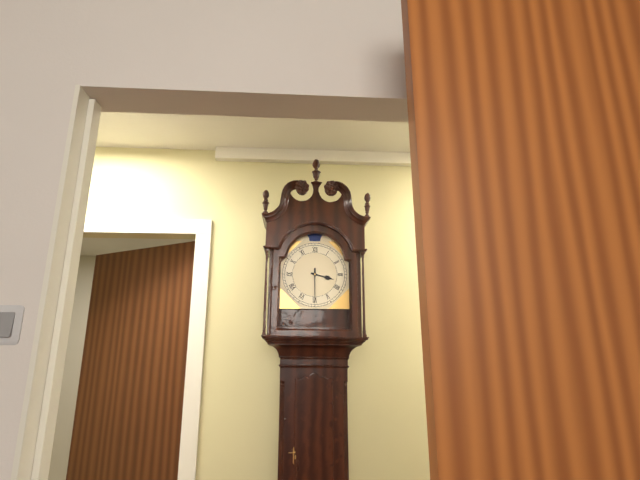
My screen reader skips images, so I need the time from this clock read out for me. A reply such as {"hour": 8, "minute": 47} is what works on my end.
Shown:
{"hour": 3, "minute": 30}
